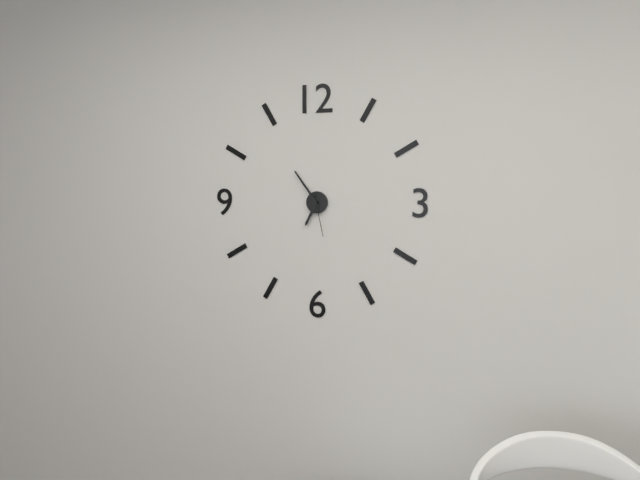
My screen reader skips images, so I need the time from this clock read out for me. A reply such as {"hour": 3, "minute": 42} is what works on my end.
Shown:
{"hour": 6, "minute": 54}
